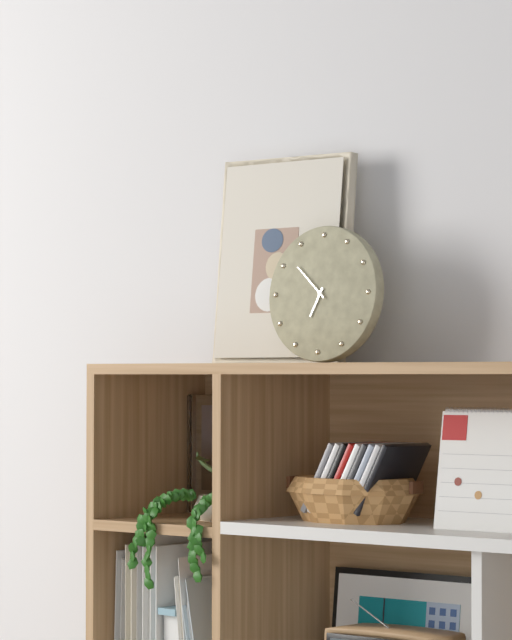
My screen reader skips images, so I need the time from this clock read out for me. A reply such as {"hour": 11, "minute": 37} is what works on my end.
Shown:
{"hour": 6, "minute": 52}
